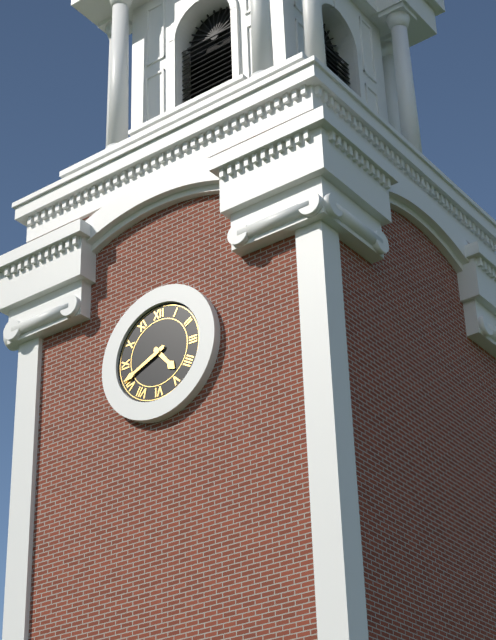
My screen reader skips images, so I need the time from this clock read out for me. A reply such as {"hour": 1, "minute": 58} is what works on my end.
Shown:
{"hour": 4, "minute": 41}
